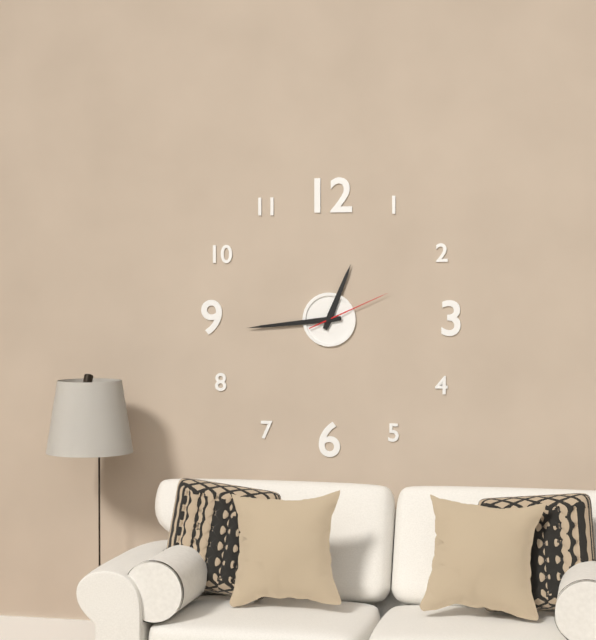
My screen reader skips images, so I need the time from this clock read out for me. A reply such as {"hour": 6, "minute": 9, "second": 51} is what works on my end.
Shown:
{"hour": 12, "minute": 44, "second": 11}
